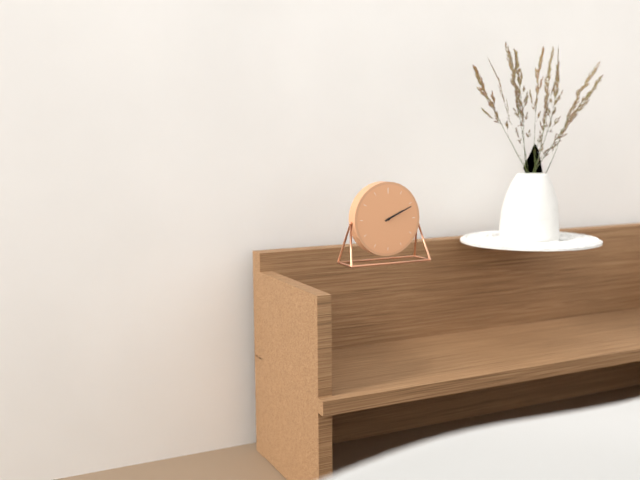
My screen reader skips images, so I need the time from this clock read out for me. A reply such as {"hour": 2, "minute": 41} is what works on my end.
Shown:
{"hour": 2, "minute": 11}
